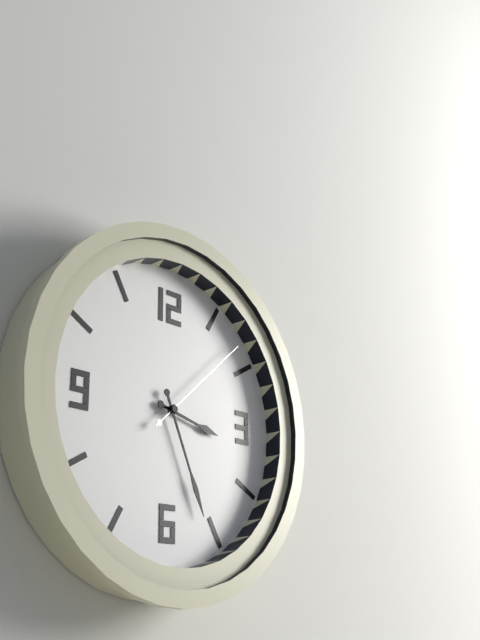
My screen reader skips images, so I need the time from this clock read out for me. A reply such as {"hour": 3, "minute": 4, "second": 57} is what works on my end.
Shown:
{"hour": 3, "minute": 26, "second": 8}
